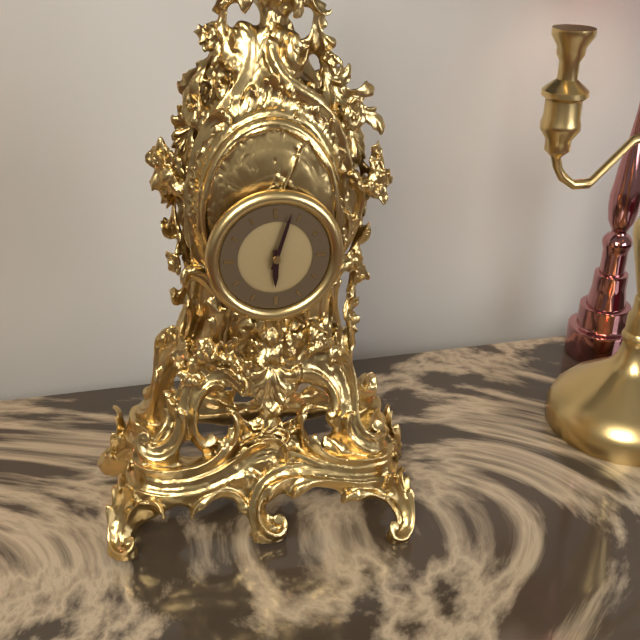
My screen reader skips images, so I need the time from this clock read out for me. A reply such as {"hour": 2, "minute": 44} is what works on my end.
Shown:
{"hour": 6, "minute": 3}
